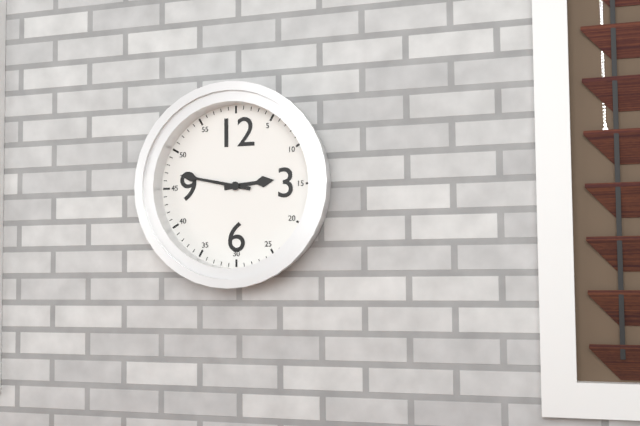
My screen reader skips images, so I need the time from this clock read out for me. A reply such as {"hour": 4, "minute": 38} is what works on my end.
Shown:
{"hour": 2, "minute": 47}
